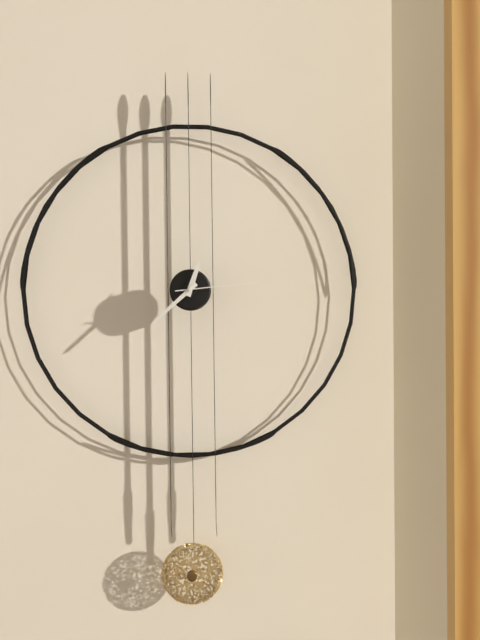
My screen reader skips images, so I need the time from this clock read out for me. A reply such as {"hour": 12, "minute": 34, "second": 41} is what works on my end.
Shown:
{"hour": 12, "minute": 38, "second": 14}
